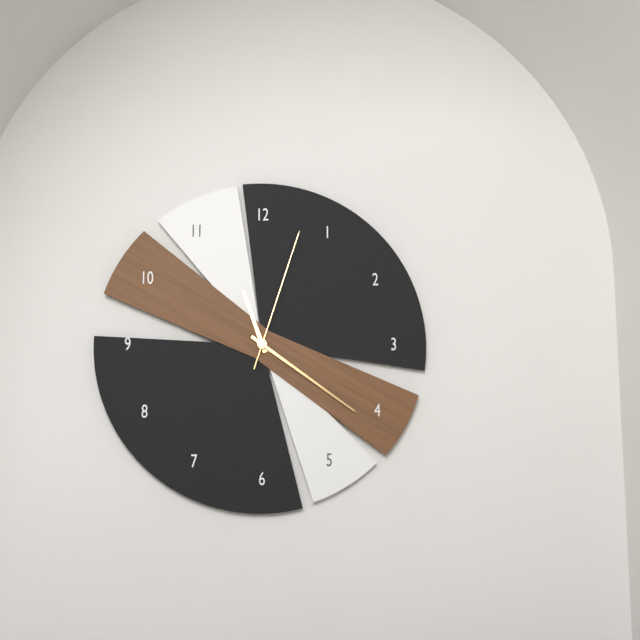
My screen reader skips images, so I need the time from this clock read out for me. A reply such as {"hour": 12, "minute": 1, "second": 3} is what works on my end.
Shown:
{"hour": 11, "minute": 21, "second": 3}
